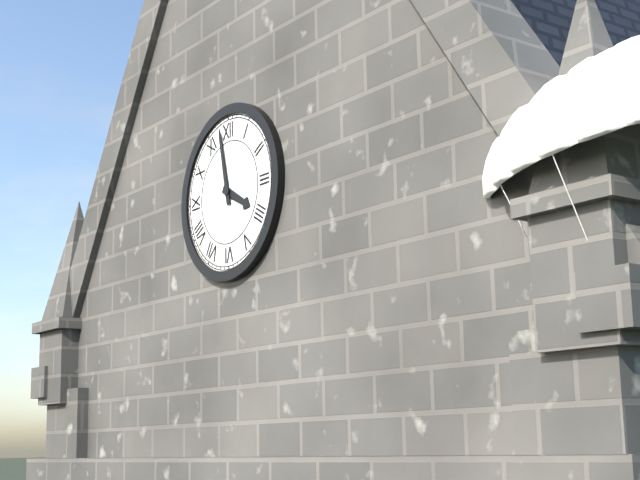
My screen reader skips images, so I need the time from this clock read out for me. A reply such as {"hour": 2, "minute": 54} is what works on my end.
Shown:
{"hour": 3, "minute": 58}
